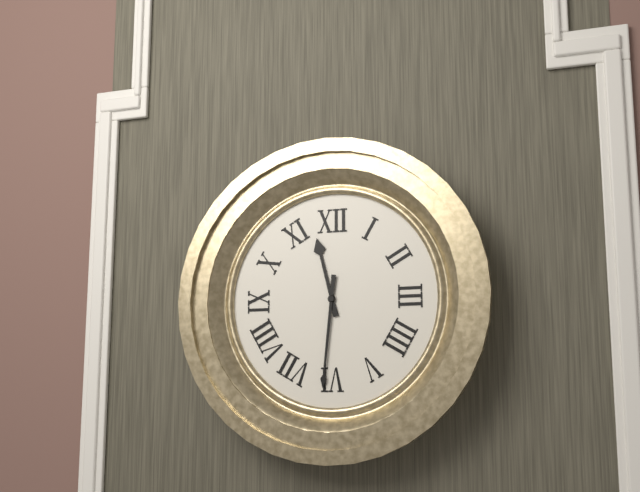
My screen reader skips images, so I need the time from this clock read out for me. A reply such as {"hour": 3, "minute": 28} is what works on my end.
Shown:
{"hour": 11, "minute": 31}
